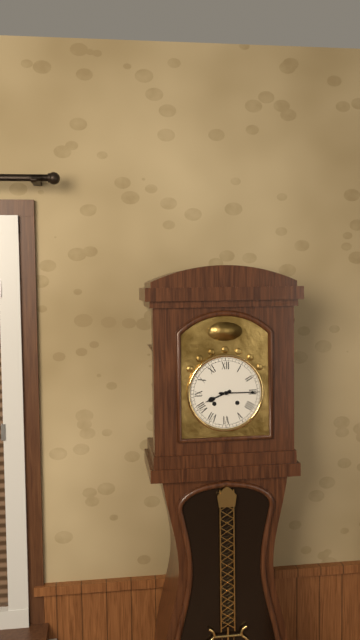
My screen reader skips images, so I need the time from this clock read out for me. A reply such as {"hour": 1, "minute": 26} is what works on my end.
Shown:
{"hour": 8, "minute": 15}
